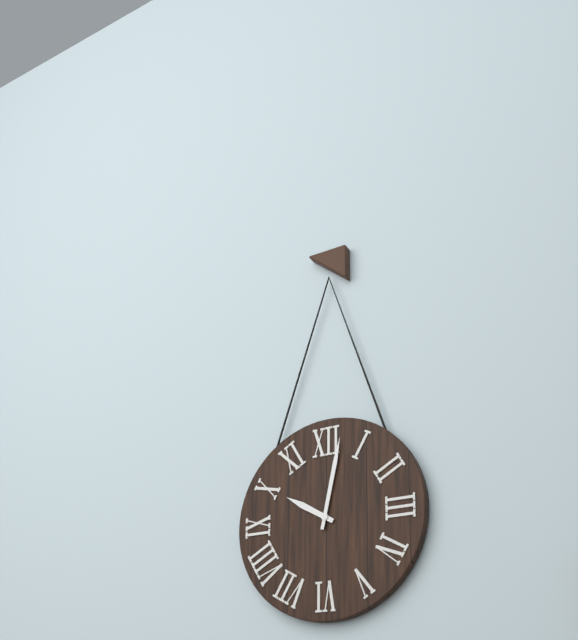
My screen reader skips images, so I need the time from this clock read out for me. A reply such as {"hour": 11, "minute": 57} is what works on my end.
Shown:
{"hour": 10, "minute": 2}
